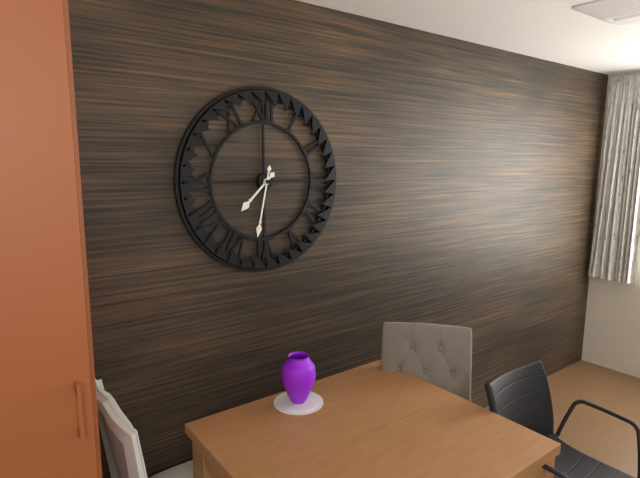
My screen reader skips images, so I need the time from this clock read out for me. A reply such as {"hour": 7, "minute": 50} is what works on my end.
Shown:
{"hour": 7, "minute": 32}
